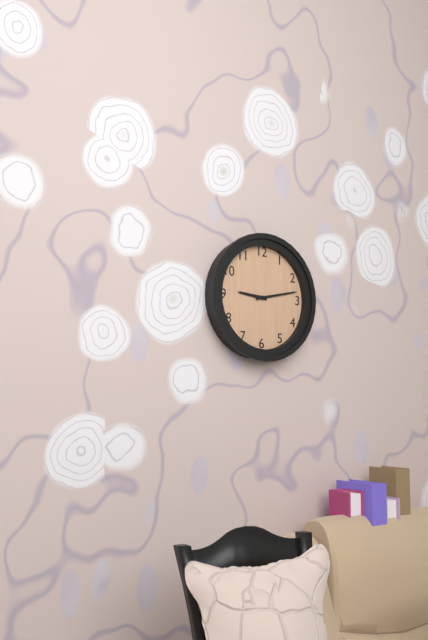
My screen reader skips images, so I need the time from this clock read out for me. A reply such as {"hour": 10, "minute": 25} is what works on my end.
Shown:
{"hour": 9, "minute": 13}
